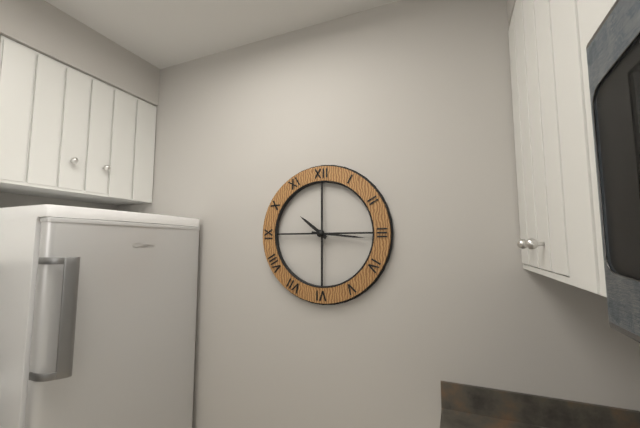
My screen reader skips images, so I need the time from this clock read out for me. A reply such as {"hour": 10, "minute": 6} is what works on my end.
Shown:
{"hour": 10, "minute": 16}
